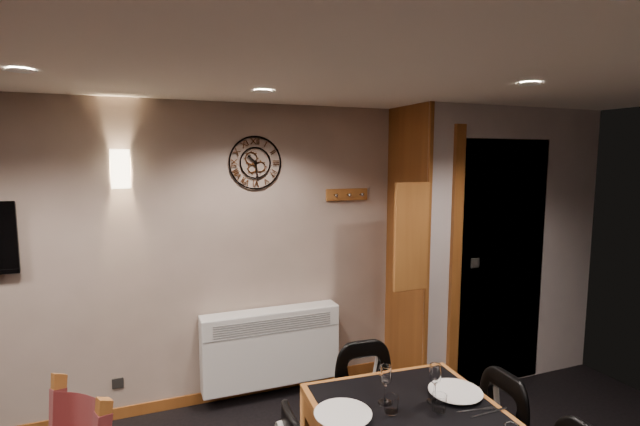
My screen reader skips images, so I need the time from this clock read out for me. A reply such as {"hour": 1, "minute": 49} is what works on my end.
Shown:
{"hour": 10, "minute": 29}
